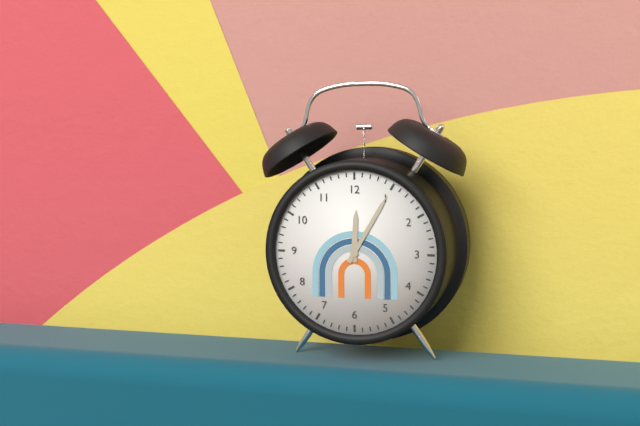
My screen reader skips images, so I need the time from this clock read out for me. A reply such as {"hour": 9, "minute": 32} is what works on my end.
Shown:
{"hour": 12, "minute": 5}
